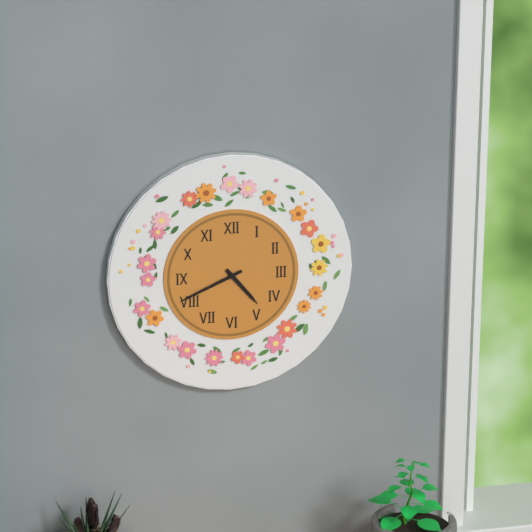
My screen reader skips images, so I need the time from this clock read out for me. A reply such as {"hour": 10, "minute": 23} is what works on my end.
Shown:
{"hour": 4, "minute": 41}
